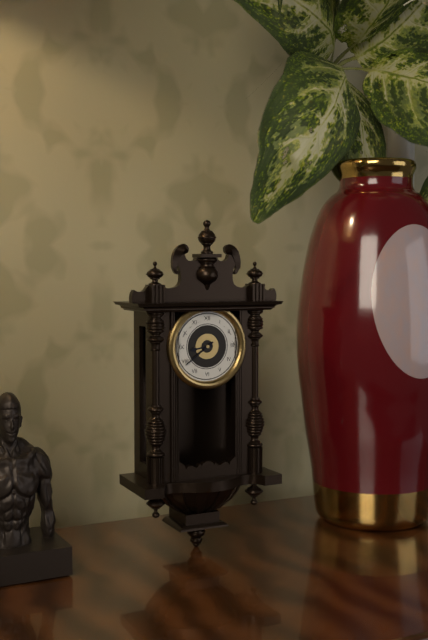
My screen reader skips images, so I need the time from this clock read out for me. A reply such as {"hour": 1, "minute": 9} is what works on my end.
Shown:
{"hour": 8, "minute": 39}
